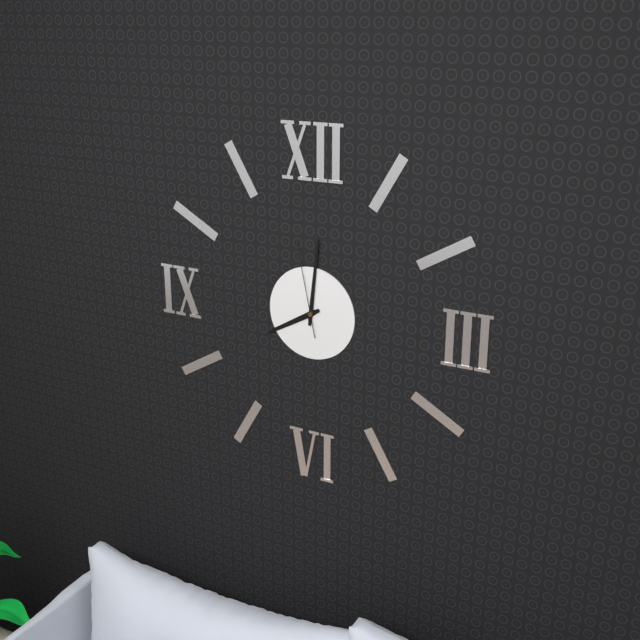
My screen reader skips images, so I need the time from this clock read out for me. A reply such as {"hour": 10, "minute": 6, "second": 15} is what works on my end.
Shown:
{"hour": 8, "minute": 1, "second": 58}
